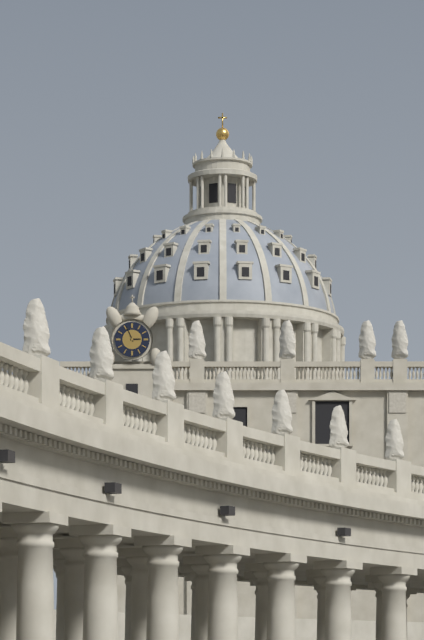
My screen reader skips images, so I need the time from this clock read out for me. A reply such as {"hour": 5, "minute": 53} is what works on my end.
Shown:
{"hour": 2, "minute": 56}
